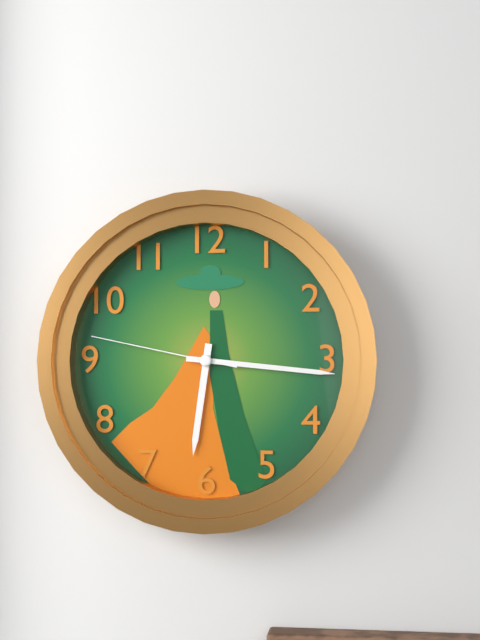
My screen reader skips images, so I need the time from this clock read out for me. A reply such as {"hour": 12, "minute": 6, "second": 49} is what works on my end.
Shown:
{"hour": 6, "minute": 16, "second": 47}
